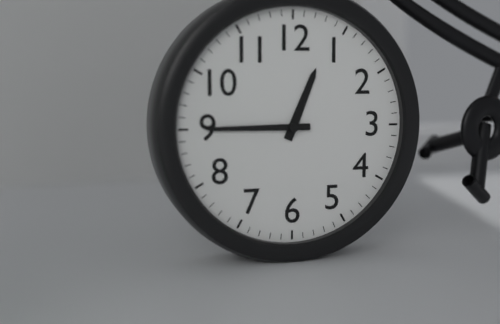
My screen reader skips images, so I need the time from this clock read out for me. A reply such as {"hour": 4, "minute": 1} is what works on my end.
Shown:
{"hour": 12, "minute": 45}
